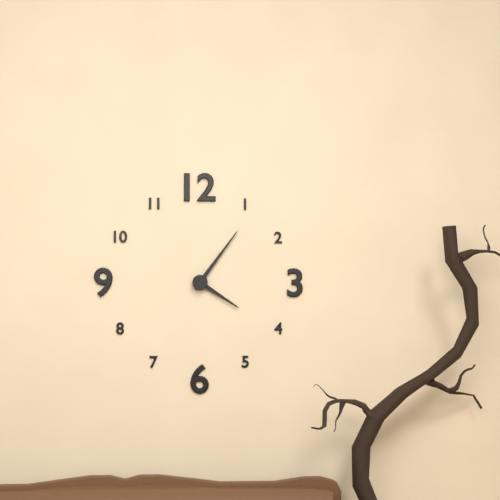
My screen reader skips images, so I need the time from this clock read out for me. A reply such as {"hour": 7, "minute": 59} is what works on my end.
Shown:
{"hour": 4, "minute": 6}
